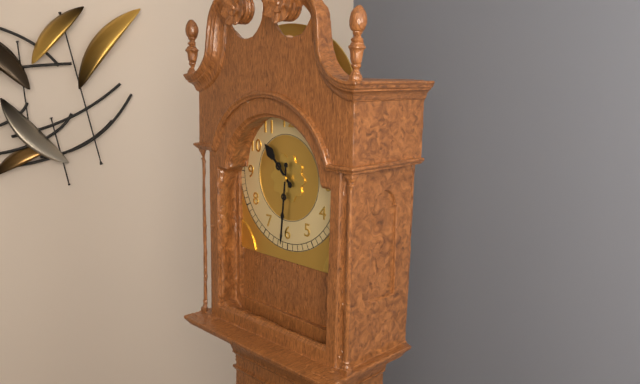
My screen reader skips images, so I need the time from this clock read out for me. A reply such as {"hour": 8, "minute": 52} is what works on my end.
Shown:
{"hour": 10, "minute": 31}
